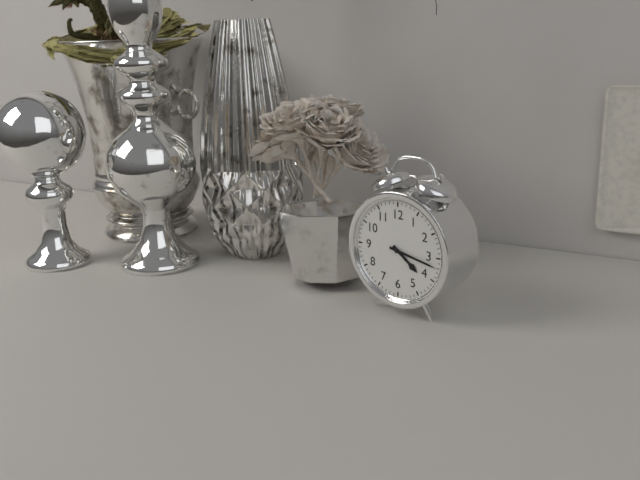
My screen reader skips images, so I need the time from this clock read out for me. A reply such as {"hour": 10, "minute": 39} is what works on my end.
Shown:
{"hour": 4, "minute": 17}
